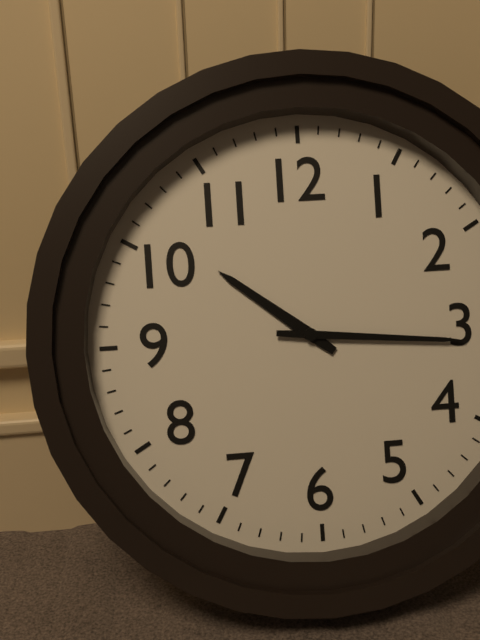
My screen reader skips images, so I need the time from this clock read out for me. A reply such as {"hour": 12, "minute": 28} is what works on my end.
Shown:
{"hour": 10, "minute": 16}
